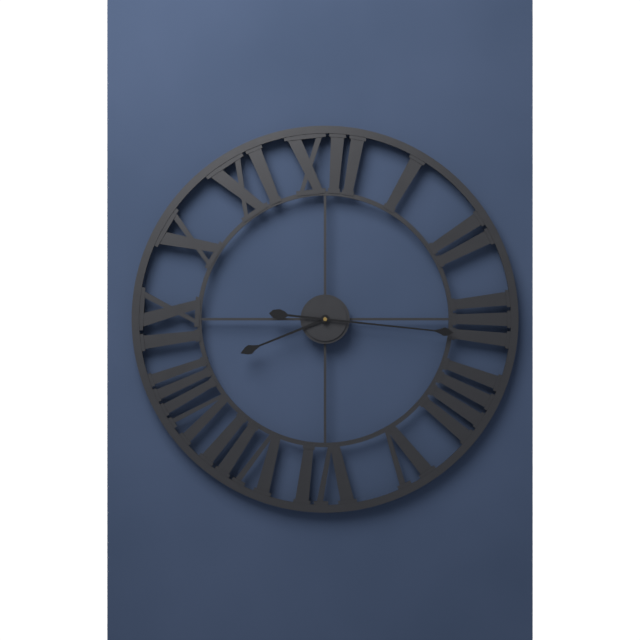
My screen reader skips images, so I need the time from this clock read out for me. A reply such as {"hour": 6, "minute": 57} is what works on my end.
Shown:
{"hour": 8, "minute": 16}
